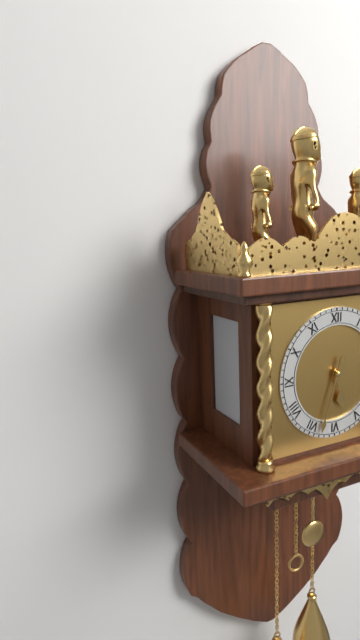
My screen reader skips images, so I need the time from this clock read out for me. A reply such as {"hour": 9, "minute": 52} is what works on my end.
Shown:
{"hour": 5, "minute": 33}
